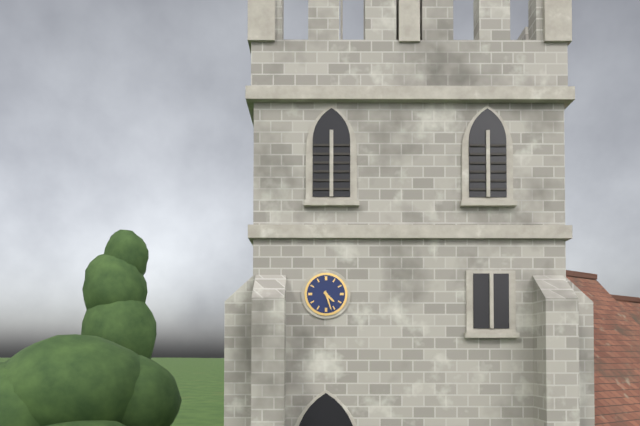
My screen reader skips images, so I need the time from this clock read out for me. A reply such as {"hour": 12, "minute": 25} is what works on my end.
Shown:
{"hour": 4, "minute": 27}
